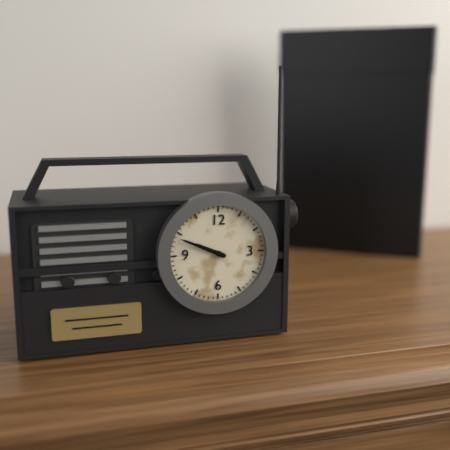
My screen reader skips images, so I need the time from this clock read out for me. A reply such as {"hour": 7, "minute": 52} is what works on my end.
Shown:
{"hour": 9, "minute": 49}
